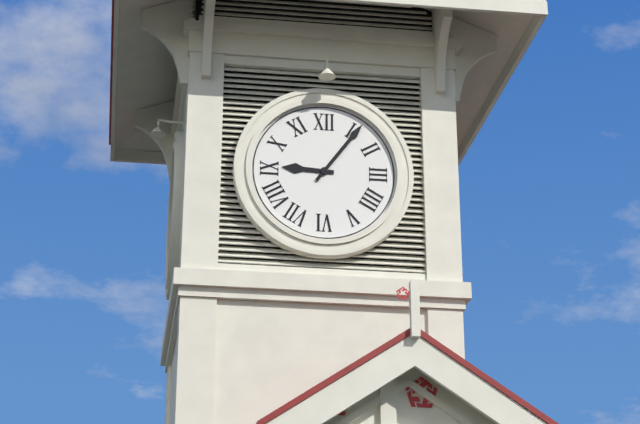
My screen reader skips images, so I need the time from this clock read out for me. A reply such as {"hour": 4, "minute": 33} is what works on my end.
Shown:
{"hour": 9, "minute": 6}
